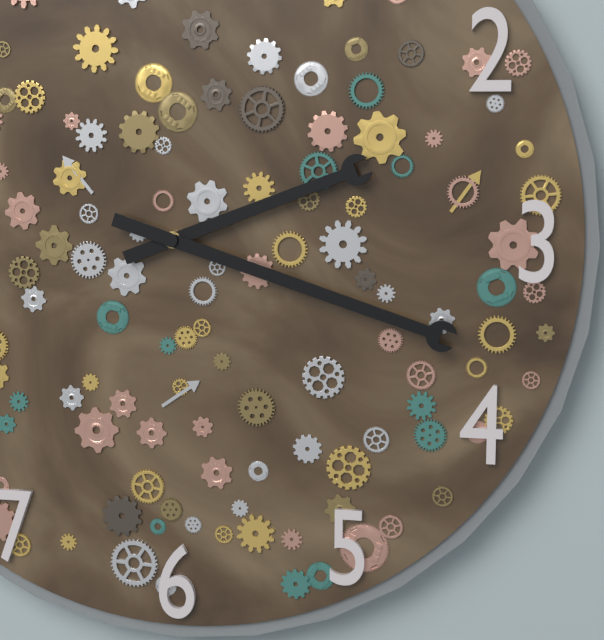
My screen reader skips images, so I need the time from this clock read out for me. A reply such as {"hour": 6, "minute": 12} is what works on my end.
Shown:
{"hour": 2, "minute": 18}
